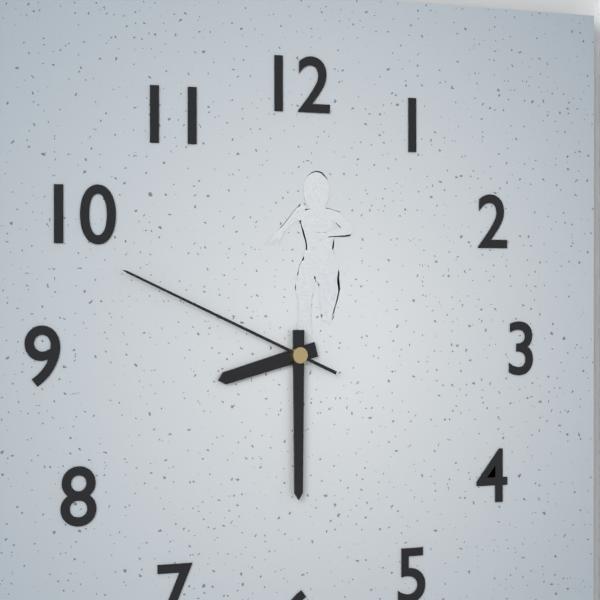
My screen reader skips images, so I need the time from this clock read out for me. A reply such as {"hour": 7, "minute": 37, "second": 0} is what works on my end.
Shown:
{"hour": 8, "minute": 30, "second": 49}
